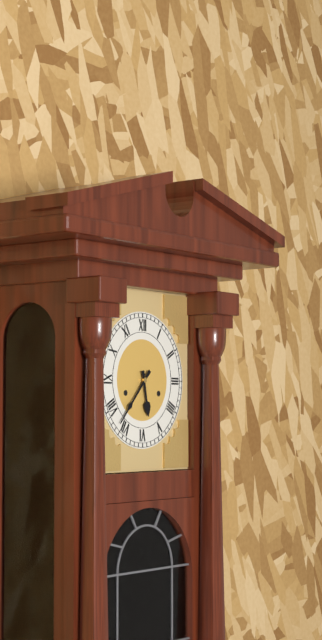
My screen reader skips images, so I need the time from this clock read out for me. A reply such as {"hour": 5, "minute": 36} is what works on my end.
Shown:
{"hour": 5, "minute": 37}
